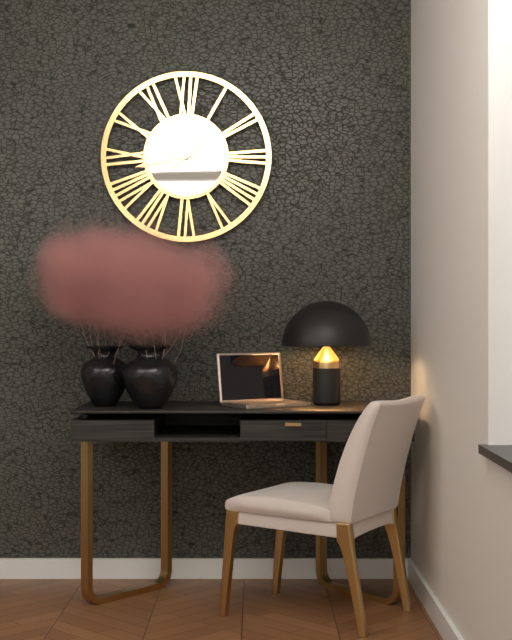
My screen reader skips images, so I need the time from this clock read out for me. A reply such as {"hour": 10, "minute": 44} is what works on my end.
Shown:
{"hour": 1, "minute": 43}
